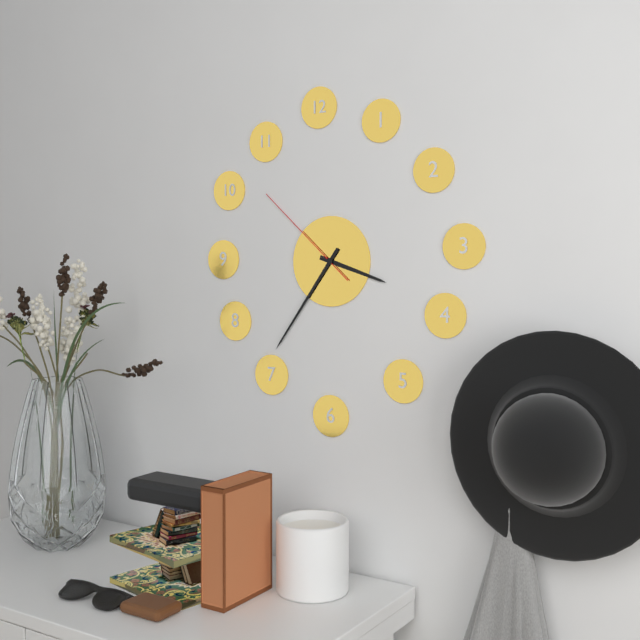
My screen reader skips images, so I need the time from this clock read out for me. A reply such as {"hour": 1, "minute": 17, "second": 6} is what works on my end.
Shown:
{"hour": 3, "minute": 36, "second": 52}
